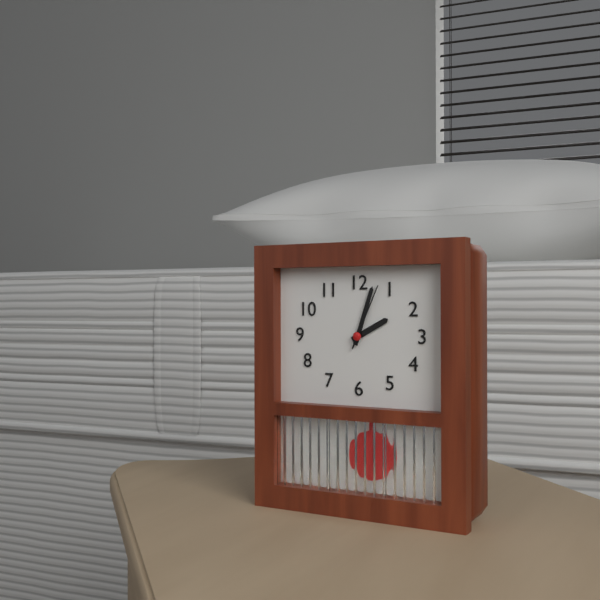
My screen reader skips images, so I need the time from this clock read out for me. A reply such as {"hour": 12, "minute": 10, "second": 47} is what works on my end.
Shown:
{"hour": 2, "minute": 3, "second": 4}
